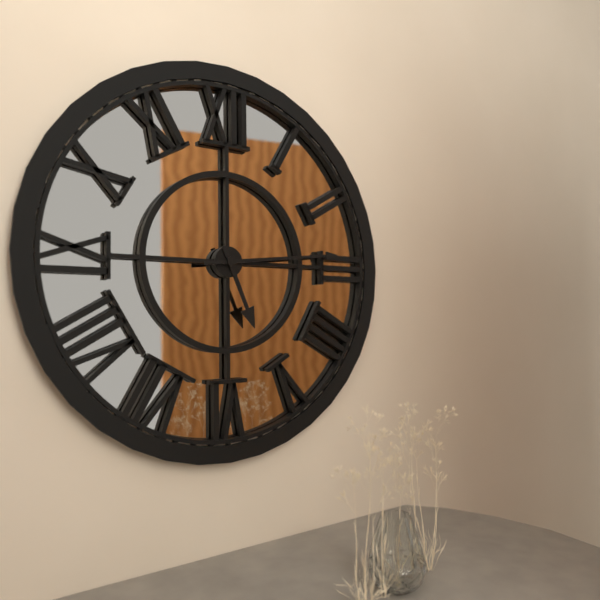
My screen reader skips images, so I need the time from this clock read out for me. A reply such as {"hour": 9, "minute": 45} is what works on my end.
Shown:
{"hour": 5, "minute": 14}
